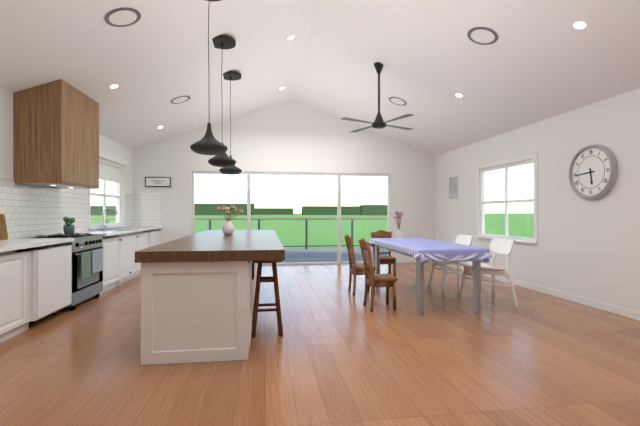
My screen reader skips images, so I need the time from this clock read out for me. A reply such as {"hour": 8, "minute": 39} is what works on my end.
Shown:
{"hour": 5, "minute": 44}
